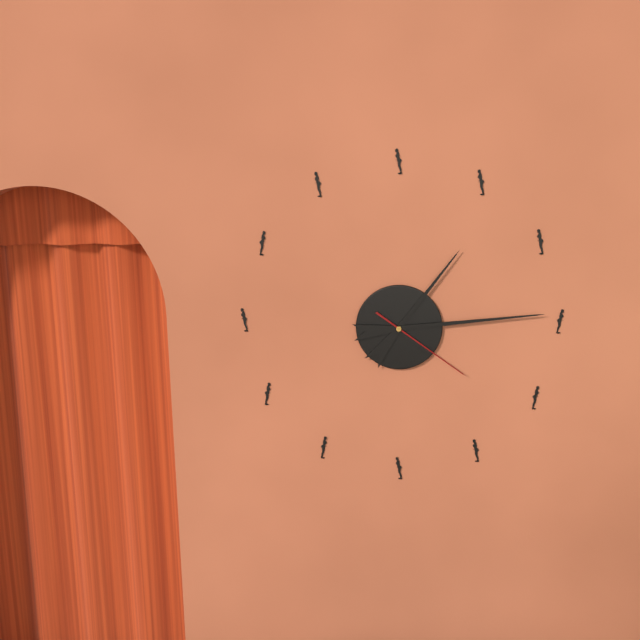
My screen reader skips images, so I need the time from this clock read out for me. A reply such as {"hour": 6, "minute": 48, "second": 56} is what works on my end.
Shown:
{"hour": 1, "minute": 14, "second": 21}
